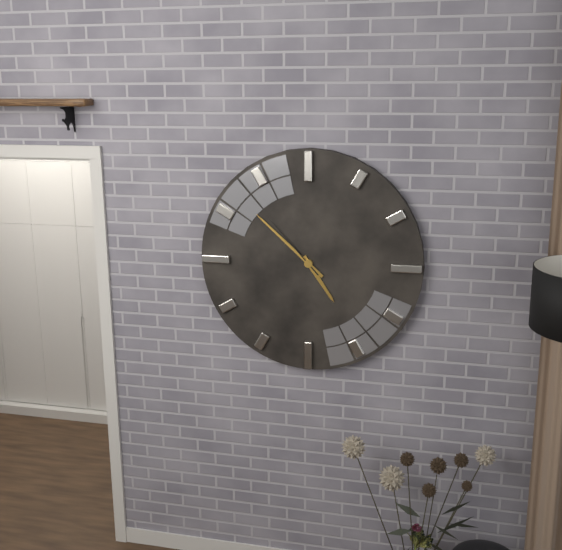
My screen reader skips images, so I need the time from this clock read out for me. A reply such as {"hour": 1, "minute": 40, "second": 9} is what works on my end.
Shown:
{"hour": 4, "minute": 52, "second": 53}
